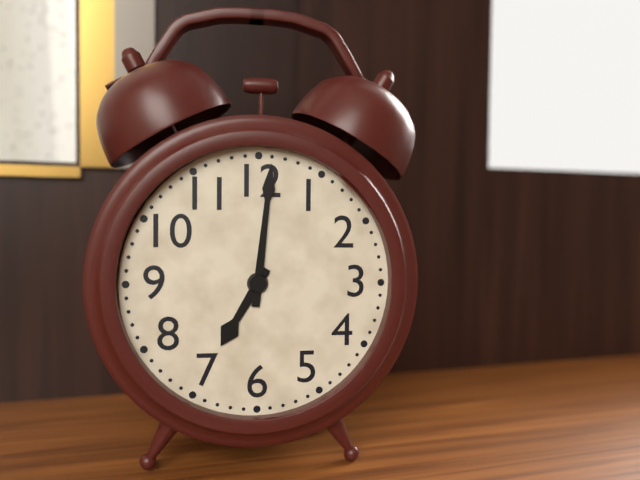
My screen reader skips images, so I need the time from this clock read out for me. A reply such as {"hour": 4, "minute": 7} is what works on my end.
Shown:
{"hour": 7, "minute": 1}
